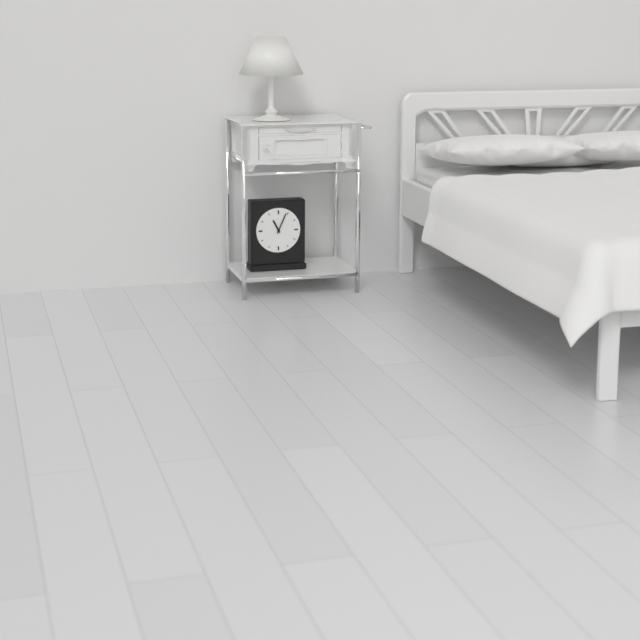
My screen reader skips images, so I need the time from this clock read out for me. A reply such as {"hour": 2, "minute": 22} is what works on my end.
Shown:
{"hour": 11, "minute": 4}
